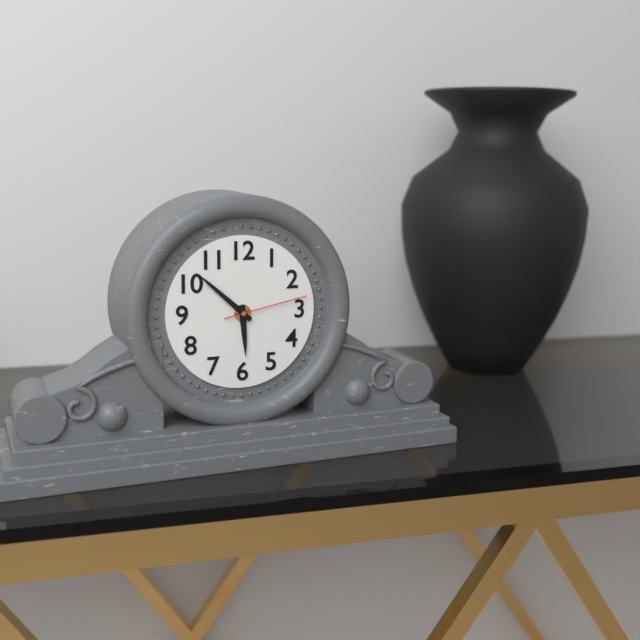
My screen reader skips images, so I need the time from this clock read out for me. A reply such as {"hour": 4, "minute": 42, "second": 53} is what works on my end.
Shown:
{"hour": 5, "minute": 52, "second": 13}
